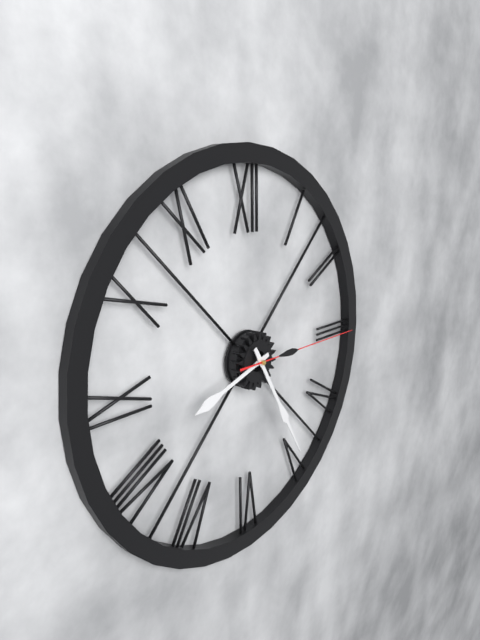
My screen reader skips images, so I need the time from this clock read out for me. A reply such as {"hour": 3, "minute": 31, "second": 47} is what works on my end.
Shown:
{"hour": 8, "minute": 25, "second": 15}
